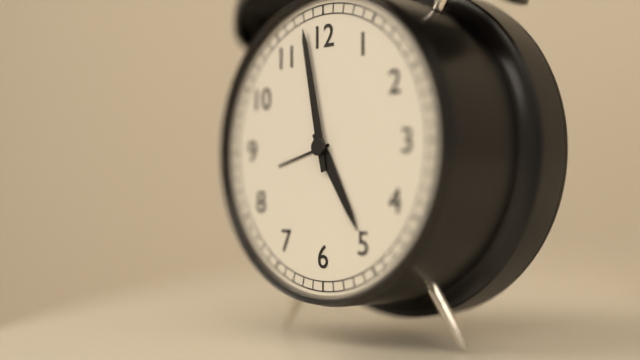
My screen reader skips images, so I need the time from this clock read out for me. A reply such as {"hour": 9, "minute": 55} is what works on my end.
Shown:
{"hour": 4, "minute": 58}
